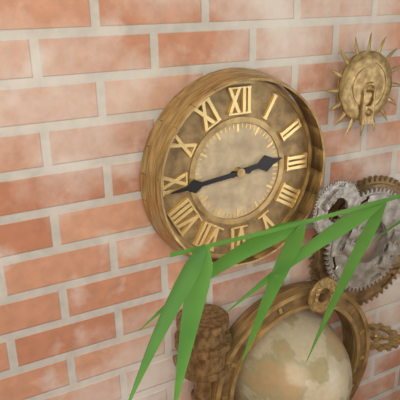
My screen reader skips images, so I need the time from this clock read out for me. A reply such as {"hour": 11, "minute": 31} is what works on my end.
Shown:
{"hour": 2, "minute": 44}
